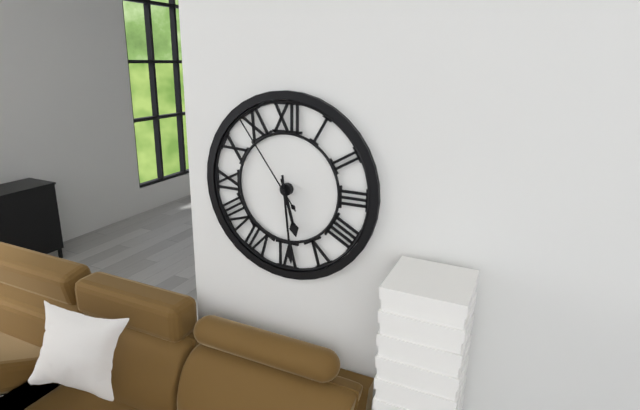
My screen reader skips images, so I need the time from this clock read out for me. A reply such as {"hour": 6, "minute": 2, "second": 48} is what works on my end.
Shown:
{"hour": 5, "minute": 29, "second": 54}
